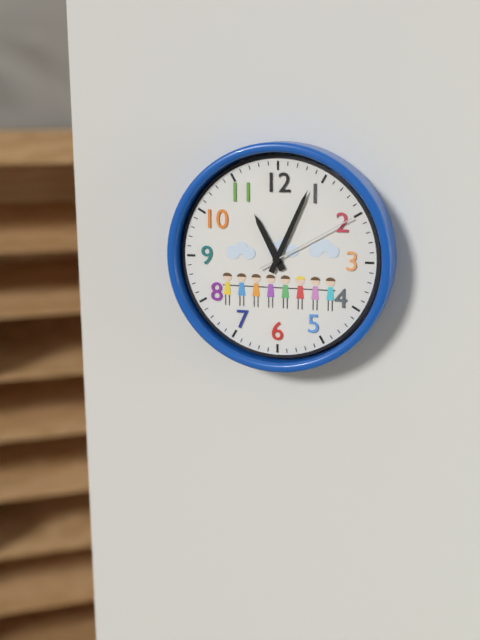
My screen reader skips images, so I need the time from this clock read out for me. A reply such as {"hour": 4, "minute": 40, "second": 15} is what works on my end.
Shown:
{"hour": 11, "minute": 4, "second": 10}
